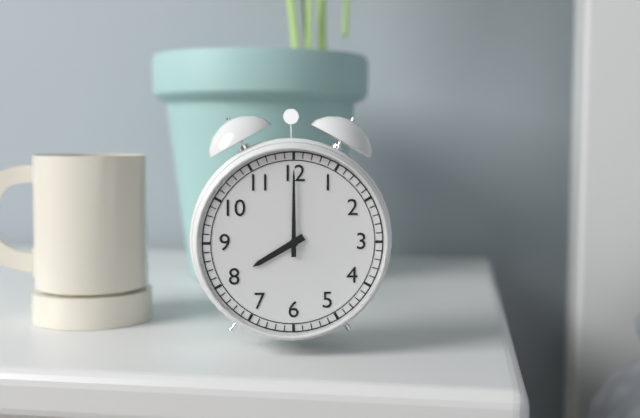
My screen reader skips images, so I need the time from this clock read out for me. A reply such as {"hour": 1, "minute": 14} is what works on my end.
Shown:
{"hour": 8, "minute": 0}
